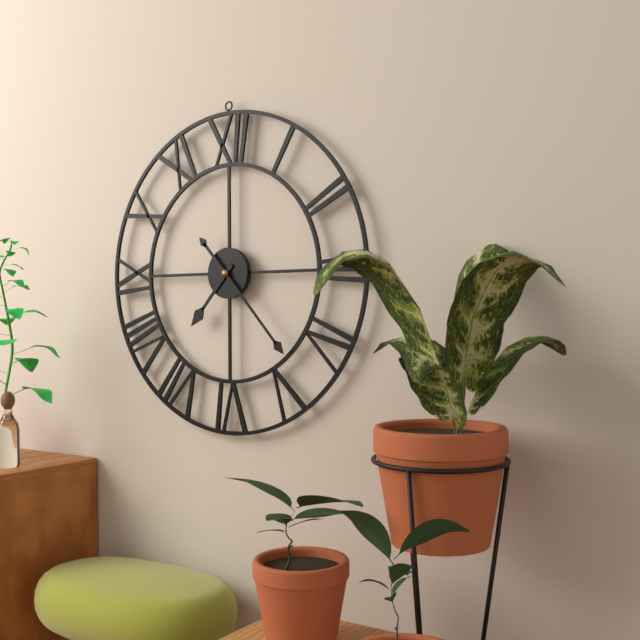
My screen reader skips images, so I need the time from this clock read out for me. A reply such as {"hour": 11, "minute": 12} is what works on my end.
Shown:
{"hour": 7, "minute": 23}
